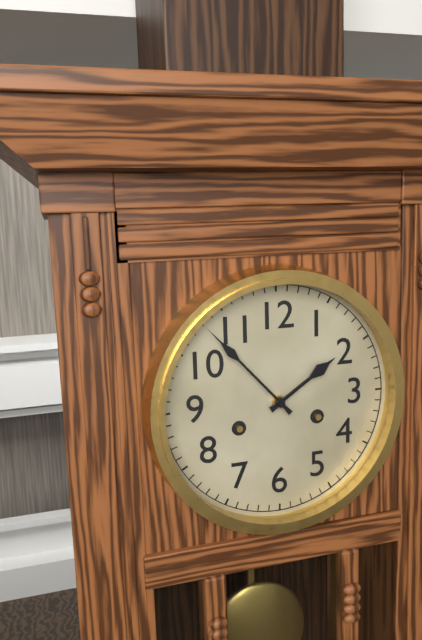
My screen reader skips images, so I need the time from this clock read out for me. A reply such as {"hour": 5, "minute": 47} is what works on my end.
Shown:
{"hour": 1, "minute": 53}
